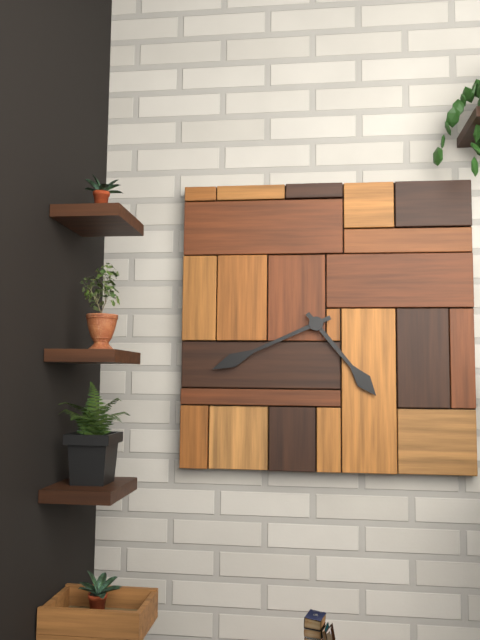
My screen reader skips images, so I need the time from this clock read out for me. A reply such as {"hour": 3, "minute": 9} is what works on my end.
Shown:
{"hour": 4, "minute": 41}
